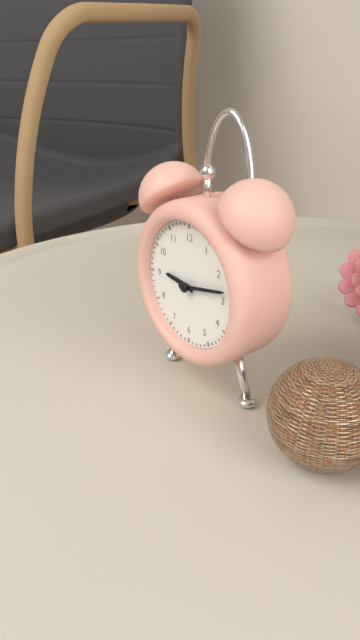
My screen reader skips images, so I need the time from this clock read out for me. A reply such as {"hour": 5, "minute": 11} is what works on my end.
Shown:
{"hour": 9, "minute": 13}
